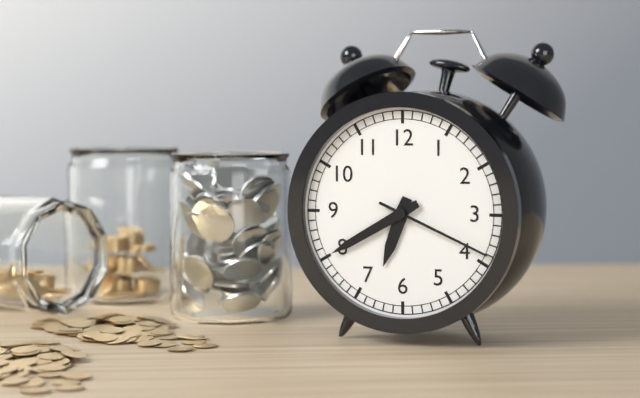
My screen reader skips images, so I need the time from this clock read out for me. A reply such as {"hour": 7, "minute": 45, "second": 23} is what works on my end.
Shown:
{"hour": 6, "minute": 40, "second": 19}
